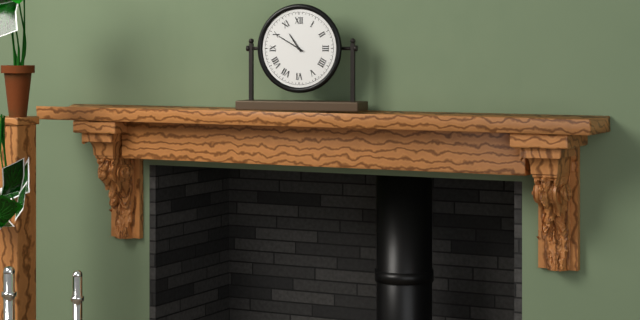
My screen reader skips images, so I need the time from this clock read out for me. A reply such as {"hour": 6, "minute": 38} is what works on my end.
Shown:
{"hour": 10, "minute": 50}
